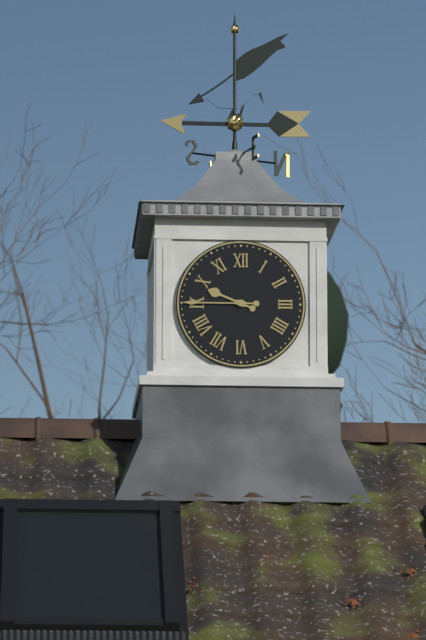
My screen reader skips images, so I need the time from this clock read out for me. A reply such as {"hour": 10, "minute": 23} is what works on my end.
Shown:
{"hour": 9, "minute": 45}
